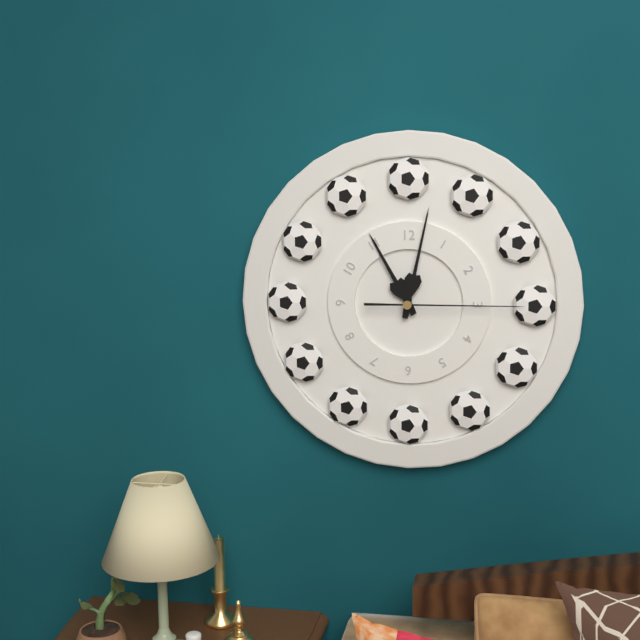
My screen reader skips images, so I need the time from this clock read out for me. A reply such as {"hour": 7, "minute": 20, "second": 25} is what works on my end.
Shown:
{"hour": 11, "minute": 2, "second": 15}
